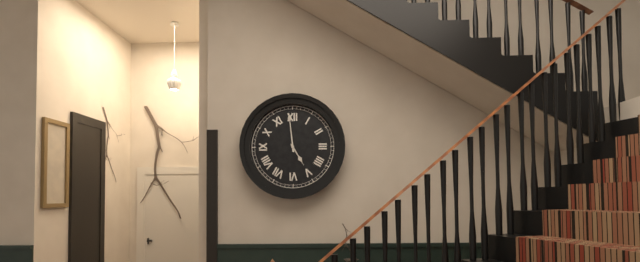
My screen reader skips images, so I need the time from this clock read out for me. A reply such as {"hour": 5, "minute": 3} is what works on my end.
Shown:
{"hour": 4, "minute": 59}
